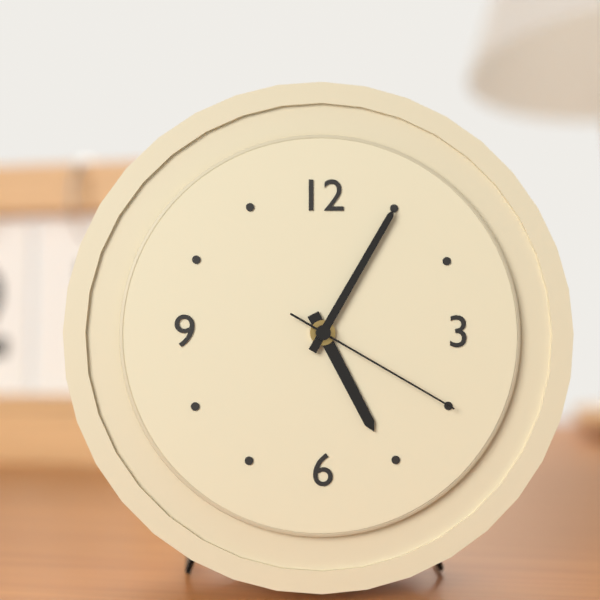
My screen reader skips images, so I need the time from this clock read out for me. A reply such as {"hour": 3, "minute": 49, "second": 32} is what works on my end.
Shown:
{"hour": 5, "minute": 5, "second": 20}
